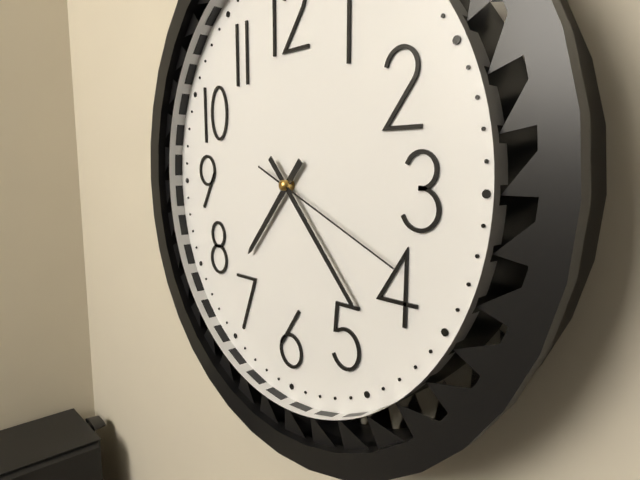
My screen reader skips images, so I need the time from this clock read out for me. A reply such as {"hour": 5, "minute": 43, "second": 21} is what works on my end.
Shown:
{"hour": 7, "minute": 23, "second": 19}
